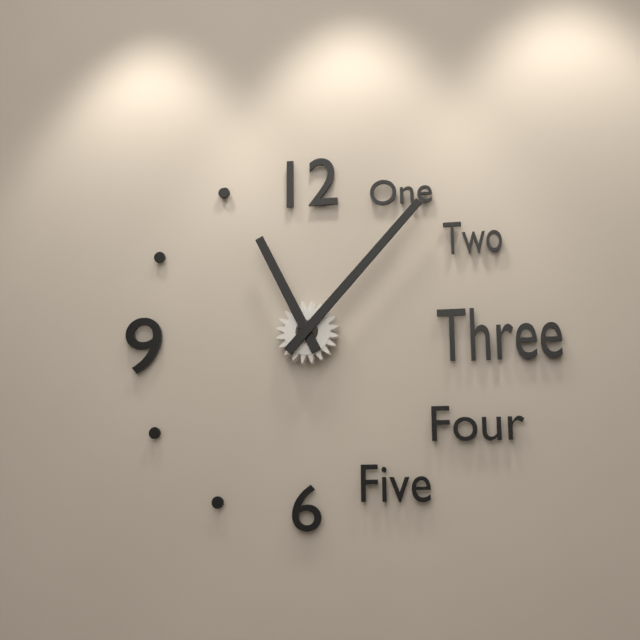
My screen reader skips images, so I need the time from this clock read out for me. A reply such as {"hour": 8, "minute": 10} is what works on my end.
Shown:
{"hour": 11, "minute": 7}
